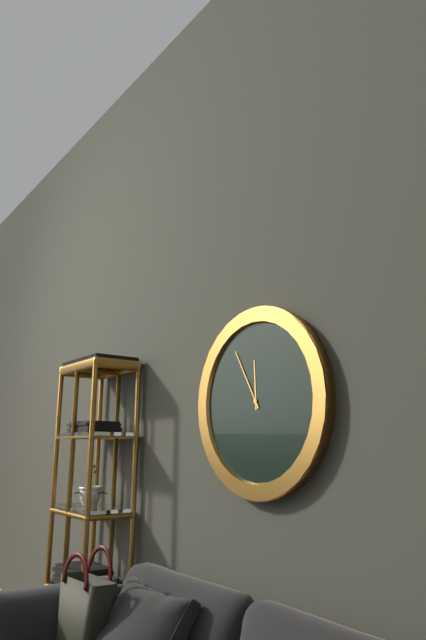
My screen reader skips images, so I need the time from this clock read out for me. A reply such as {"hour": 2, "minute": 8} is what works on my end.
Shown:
{"hour": 11, "minute": 55}
